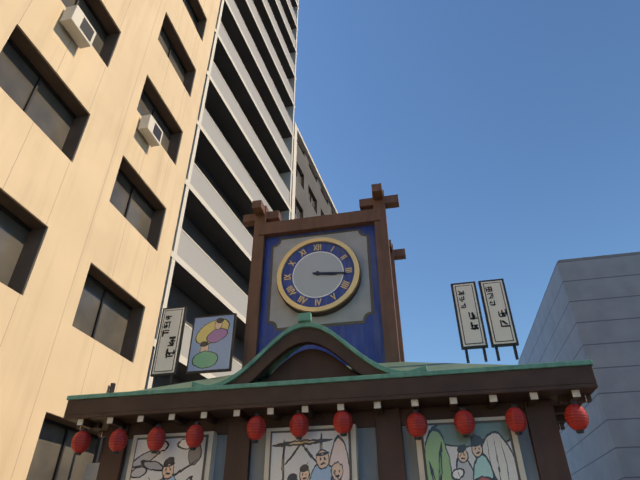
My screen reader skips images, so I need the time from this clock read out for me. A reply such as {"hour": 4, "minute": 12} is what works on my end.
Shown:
{"hour": 3, "minute": 16}
